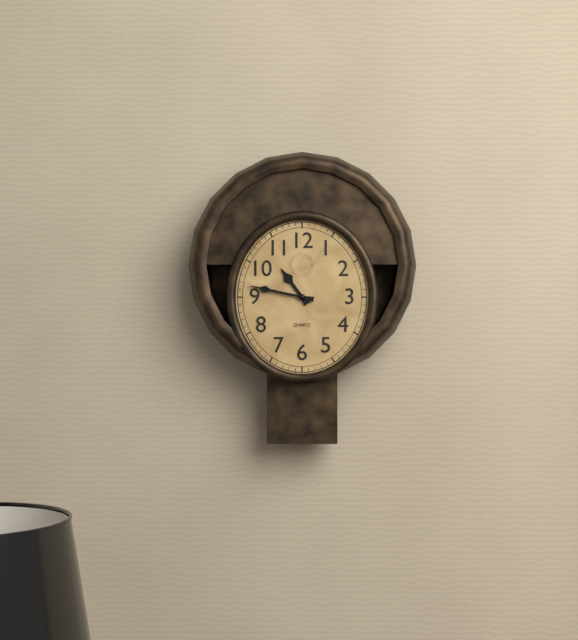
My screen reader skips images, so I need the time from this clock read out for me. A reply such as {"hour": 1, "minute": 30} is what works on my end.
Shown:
{"hour": 10, "minute": 47}
